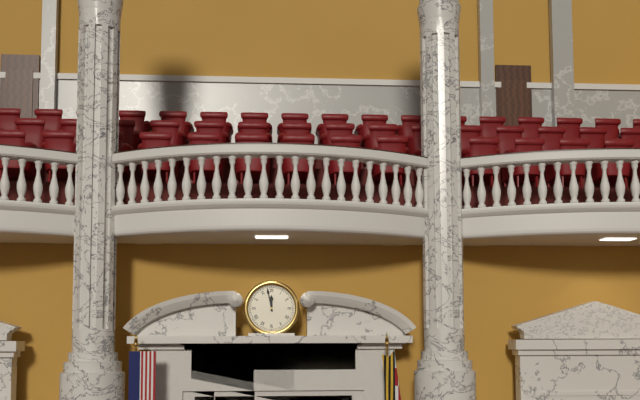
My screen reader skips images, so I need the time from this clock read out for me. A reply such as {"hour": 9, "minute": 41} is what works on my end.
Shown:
{"hour": 11, "minute": 58}
